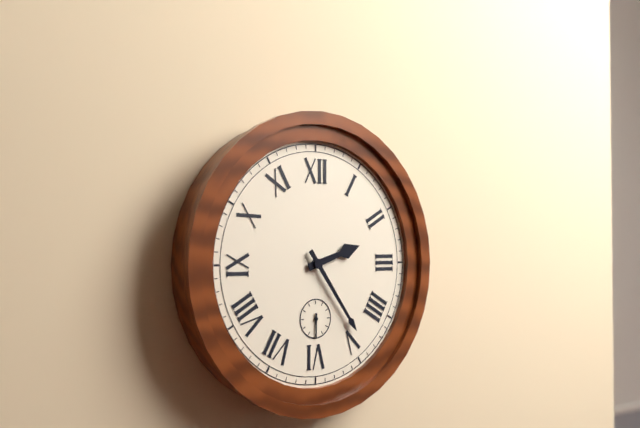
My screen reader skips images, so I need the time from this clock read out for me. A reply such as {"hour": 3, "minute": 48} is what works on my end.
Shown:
{"hour": 2, "minute": 24}
